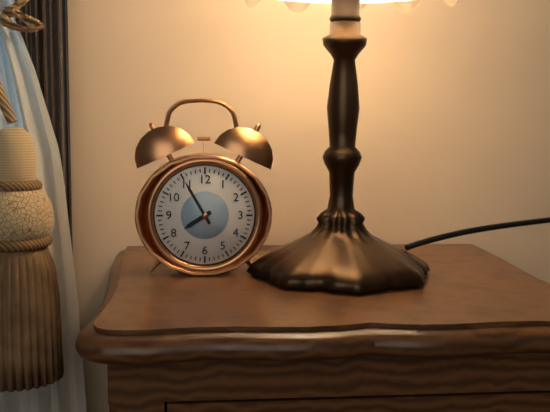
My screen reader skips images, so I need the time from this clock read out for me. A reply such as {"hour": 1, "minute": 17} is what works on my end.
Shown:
{"hour": 7, "minute": 55}
